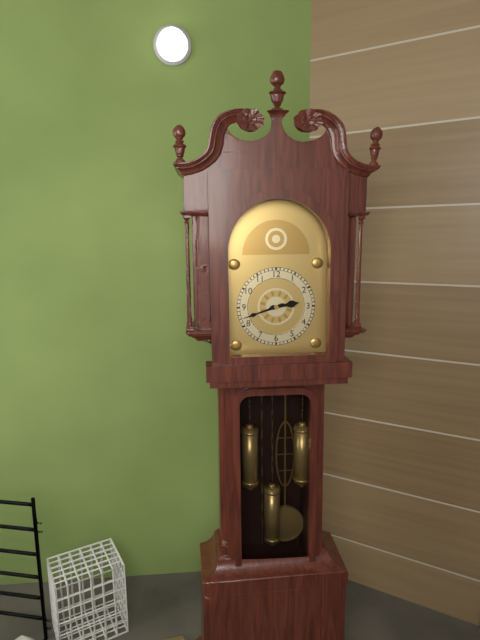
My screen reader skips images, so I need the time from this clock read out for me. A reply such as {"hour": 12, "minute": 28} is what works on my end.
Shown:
{"hour": 2, "minute": 42}
